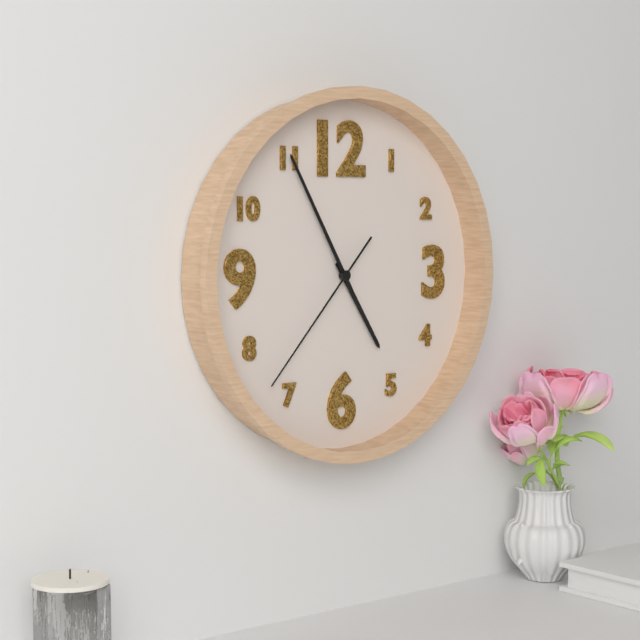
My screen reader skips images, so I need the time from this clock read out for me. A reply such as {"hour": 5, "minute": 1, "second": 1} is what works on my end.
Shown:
{"hour": 4, "minute": 55, "second": 37}
